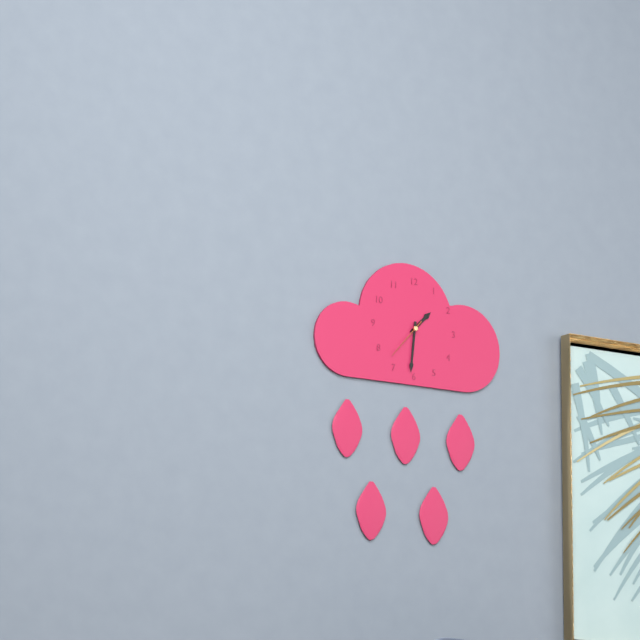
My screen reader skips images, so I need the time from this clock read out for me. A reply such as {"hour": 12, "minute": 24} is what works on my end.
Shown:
{"hour": 1, "minute": 31}
